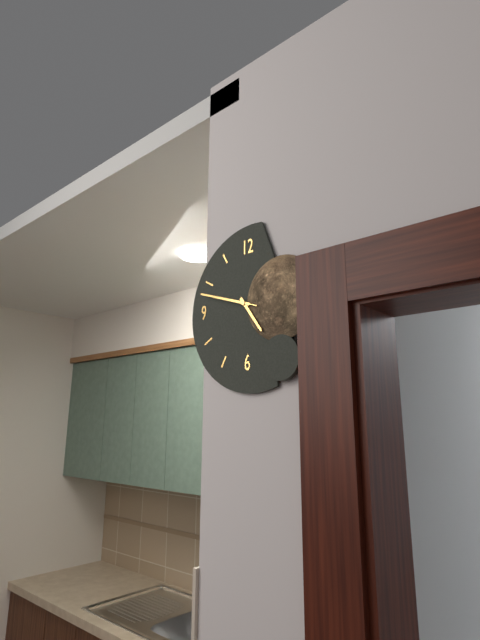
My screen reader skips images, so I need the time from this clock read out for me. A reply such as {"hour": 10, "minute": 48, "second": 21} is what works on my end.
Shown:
{"hour": 4, "minute": 48, "second": 48}
